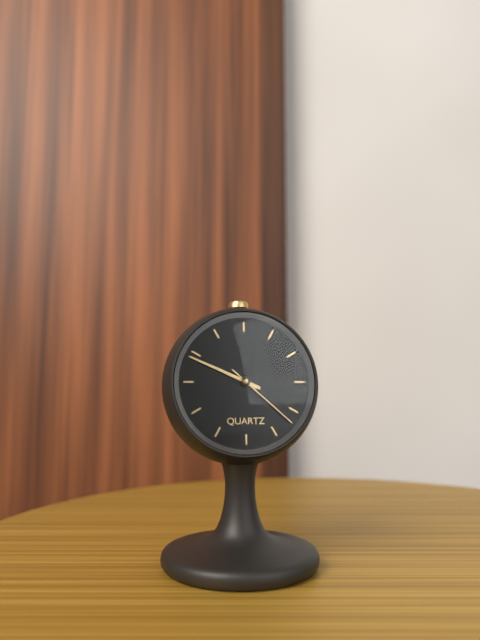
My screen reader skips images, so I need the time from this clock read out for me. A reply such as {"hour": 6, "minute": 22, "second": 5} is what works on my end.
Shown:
{"hour": 9, "minute": 49, "second": 22}
